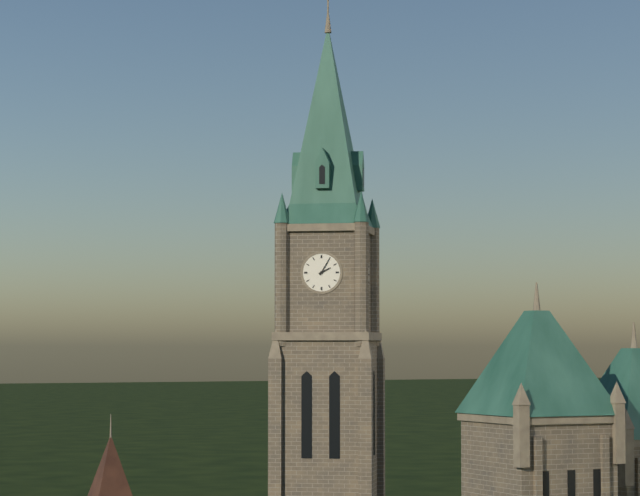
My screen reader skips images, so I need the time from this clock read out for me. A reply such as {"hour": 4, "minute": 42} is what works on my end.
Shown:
{"hour": 2, "minute": 5}
